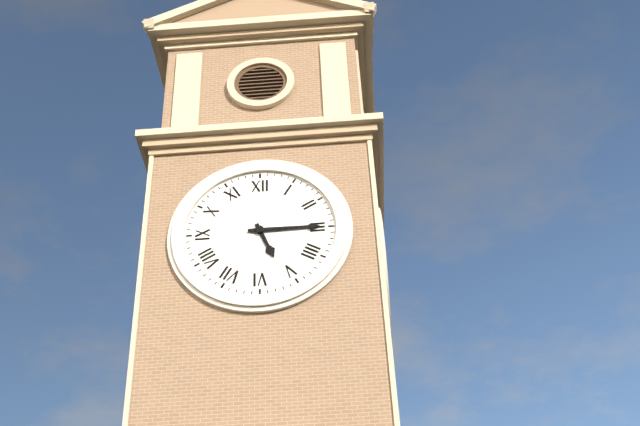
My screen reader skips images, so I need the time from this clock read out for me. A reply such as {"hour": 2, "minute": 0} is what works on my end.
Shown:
{"hour": 5, "minute": 15}
